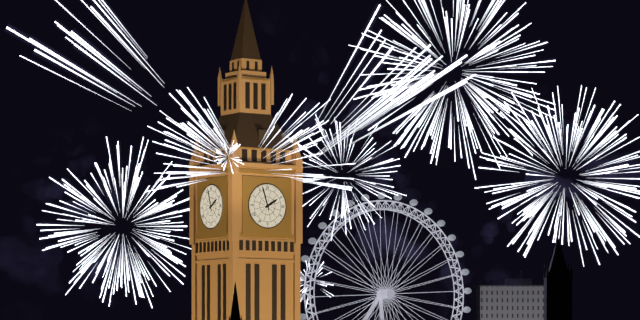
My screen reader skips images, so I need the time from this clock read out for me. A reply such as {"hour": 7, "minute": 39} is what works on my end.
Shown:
{"hour": 1, "minute": 57}
